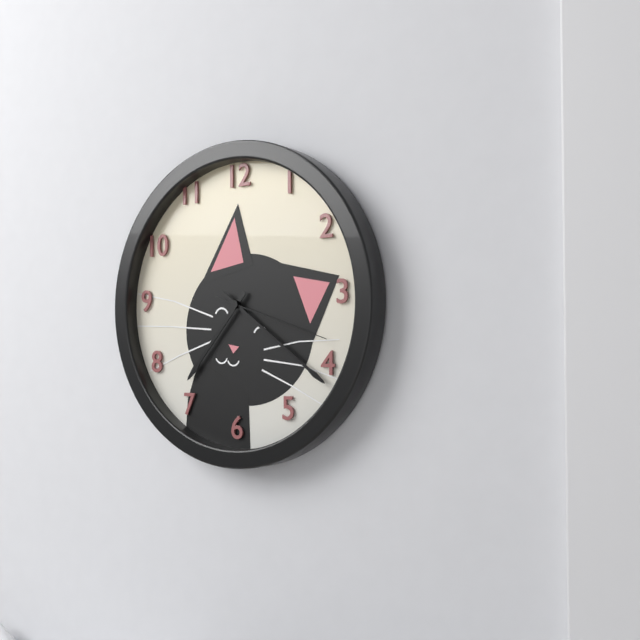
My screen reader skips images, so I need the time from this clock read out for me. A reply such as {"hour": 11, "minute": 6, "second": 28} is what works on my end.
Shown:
{"hour": 7, "minute": 21, "second": 18}
